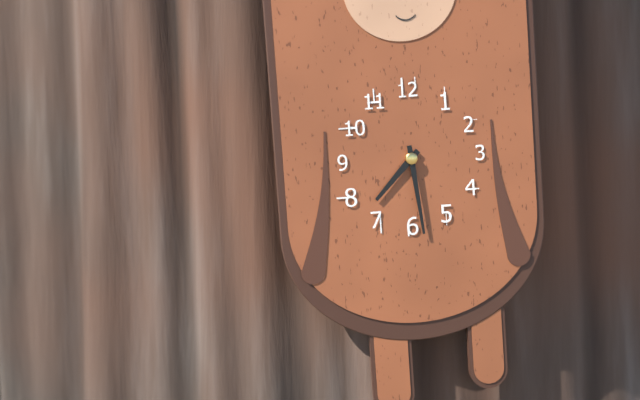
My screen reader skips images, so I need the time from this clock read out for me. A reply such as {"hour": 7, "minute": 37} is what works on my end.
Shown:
{"hour": 7, "minute": 29}
